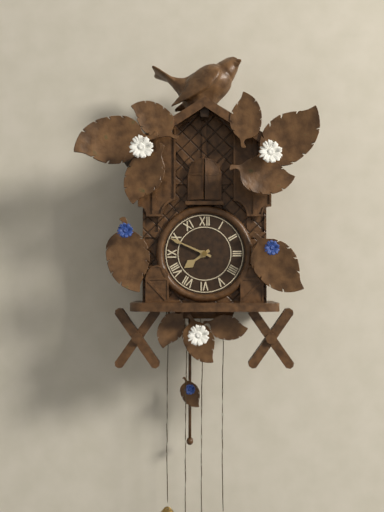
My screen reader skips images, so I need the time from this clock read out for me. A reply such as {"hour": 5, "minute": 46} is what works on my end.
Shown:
{"hour": 7, "minute": 49}
